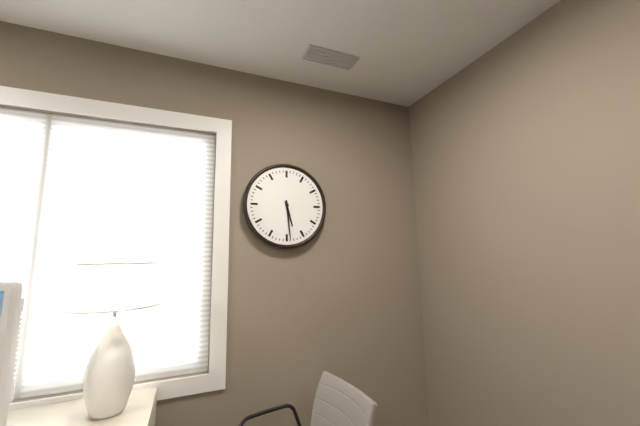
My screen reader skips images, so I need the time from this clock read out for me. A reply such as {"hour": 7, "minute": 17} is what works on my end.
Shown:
{"hour": 5, "minute": 29}
